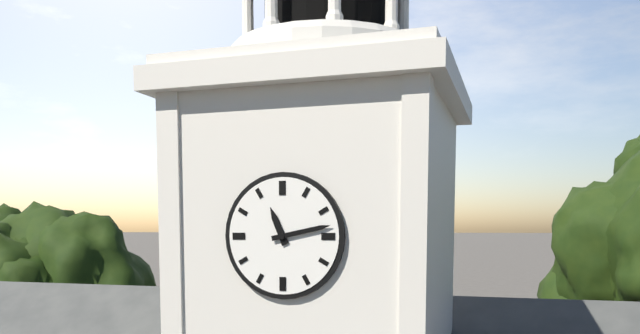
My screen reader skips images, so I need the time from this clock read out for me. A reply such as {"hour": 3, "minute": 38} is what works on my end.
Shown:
{"hour": 11, "minute": 13}
